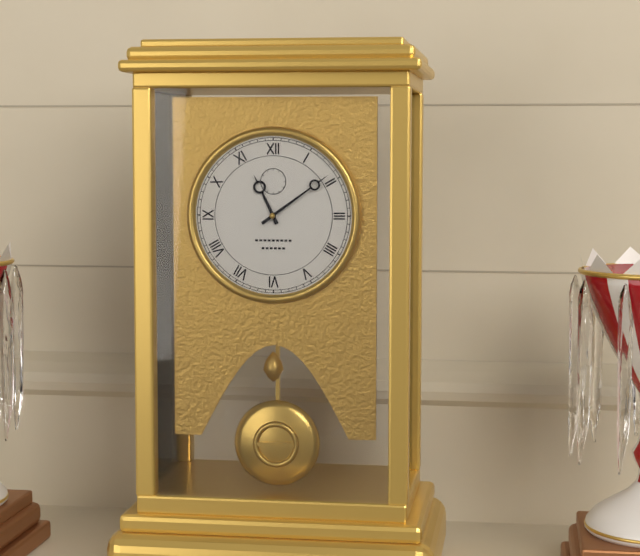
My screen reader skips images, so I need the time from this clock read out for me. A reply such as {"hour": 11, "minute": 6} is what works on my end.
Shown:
{"hour": 11, "minute": 9}
